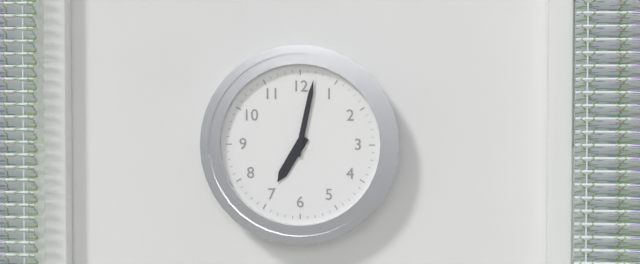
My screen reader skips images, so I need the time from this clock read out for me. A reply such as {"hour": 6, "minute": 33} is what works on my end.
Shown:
{"hour": 7, "minute": 2}
